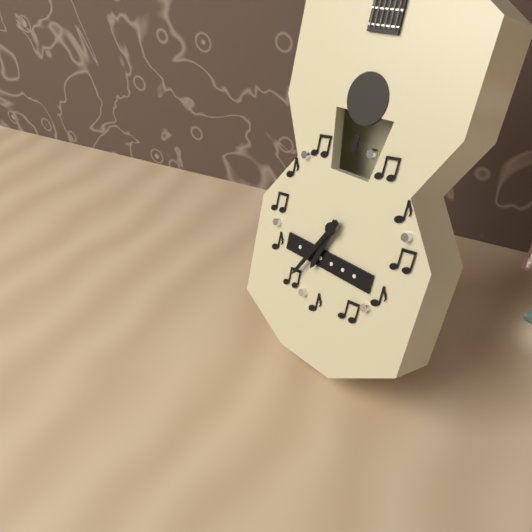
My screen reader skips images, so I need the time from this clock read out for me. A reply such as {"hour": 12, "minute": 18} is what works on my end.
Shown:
{"hour": 6, "minute": 35}
